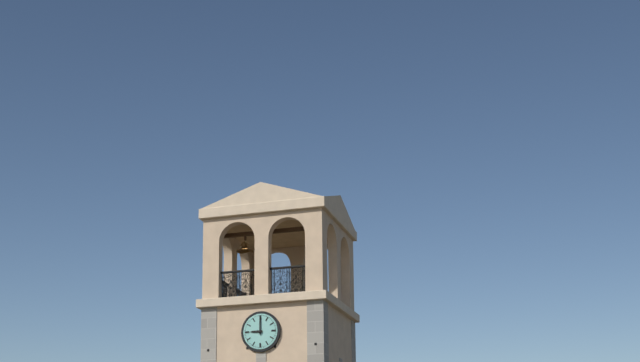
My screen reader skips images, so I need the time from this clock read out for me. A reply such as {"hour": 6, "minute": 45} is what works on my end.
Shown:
{"hour": 9, "minute": 0}
